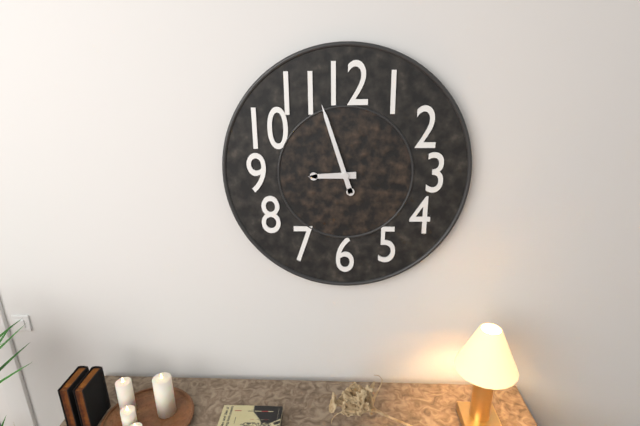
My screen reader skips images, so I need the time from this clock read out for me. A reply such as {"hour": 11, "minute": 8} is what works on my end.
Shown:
{"hour": 8, "minute": 57}
